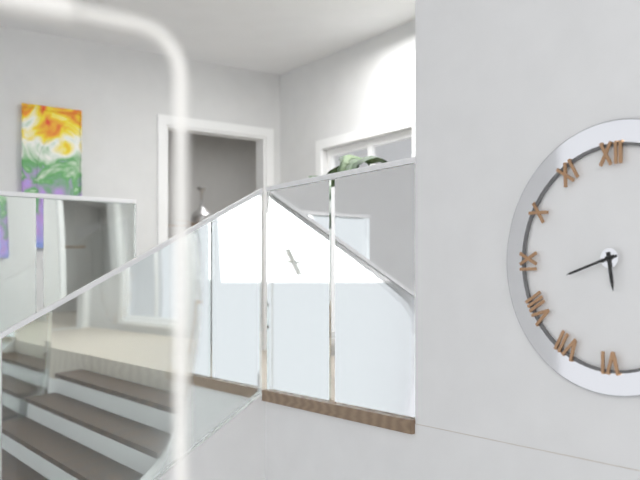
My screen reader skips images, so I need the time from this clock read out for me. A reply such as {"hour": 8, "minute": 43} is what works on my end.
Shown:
{"hour": 5, "minute": 42}
